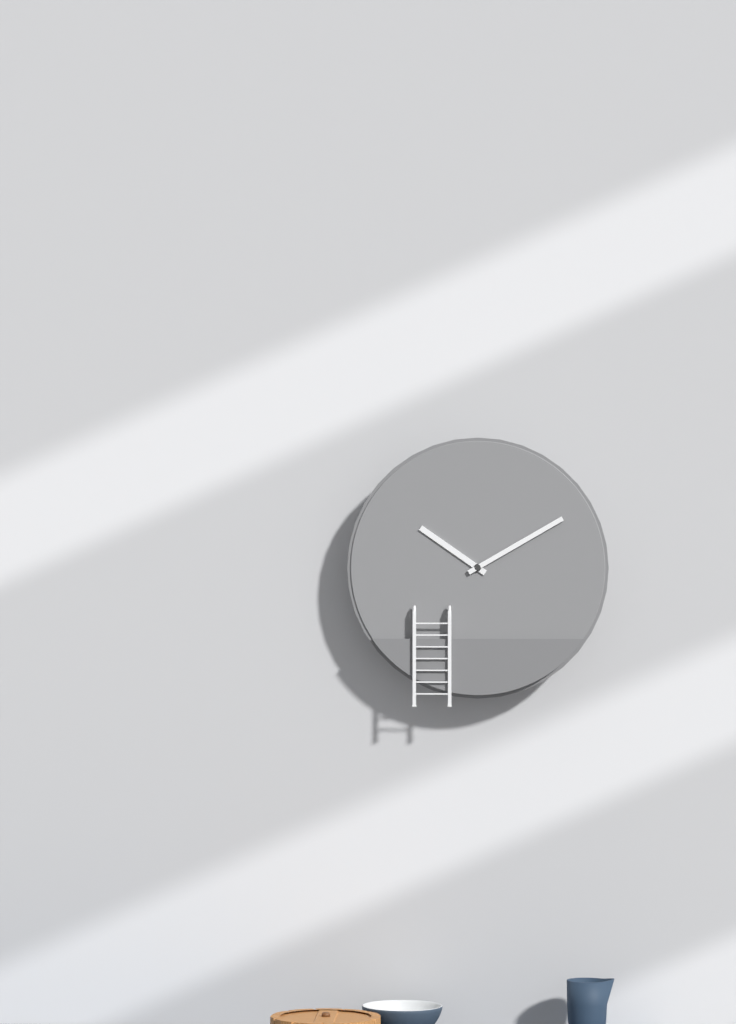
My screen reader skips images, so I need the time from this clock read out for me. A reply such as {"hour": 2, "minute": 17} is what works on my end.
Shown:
{"hour": 10, "minute": 10}
